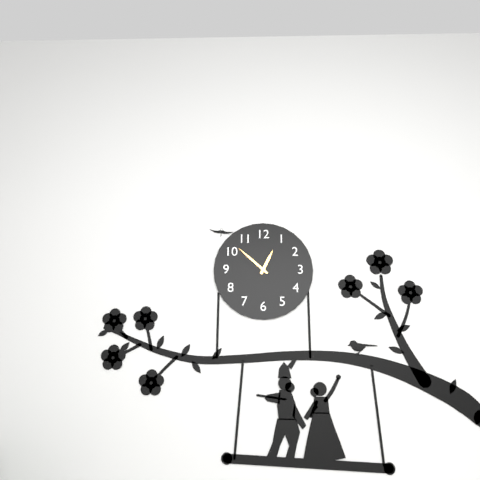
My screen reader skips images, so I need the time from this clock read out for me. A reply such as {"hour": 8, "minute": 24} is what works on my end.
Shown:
{"hour": 12, "minute": 52}
